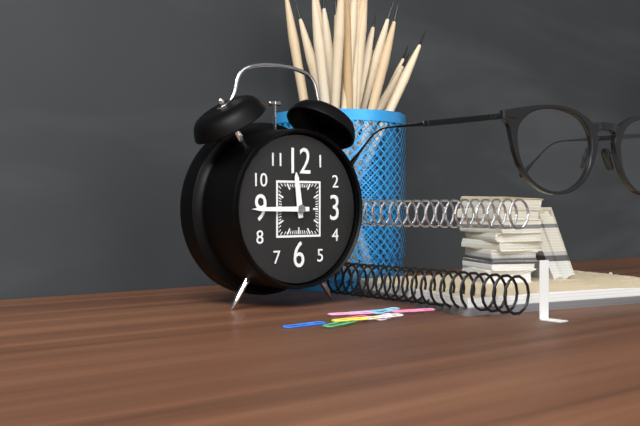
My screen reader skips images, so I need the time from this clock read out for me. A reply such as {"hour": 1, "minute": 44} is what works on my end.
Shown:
{"hour": 11, "minute": 45}
